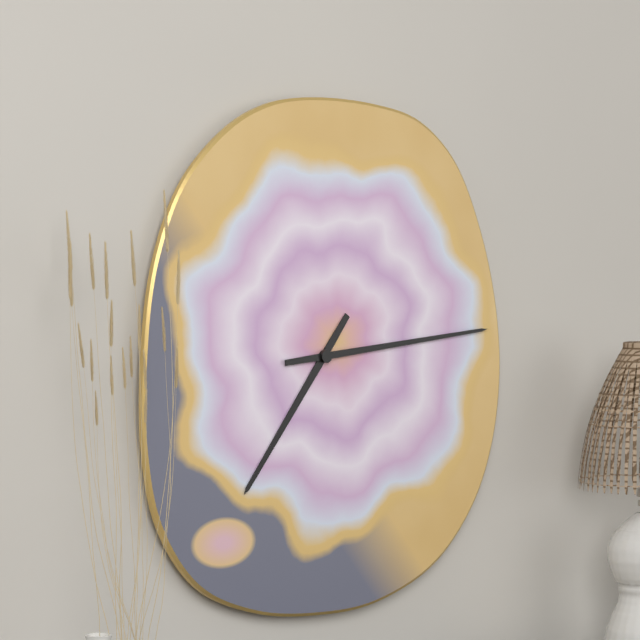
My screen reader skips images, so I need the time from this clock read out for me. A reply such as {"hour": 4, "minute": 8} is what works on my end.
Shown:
{"hour": 7, "minute": 14}
